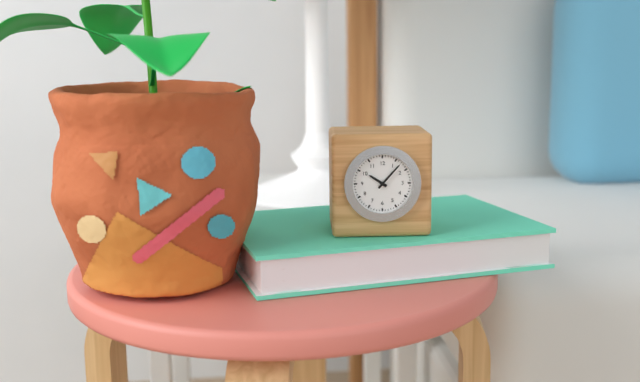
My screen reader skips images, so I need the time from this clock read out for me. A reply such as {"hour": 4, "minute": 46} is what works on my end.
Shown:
{"hour": 10, "minute": 7}
